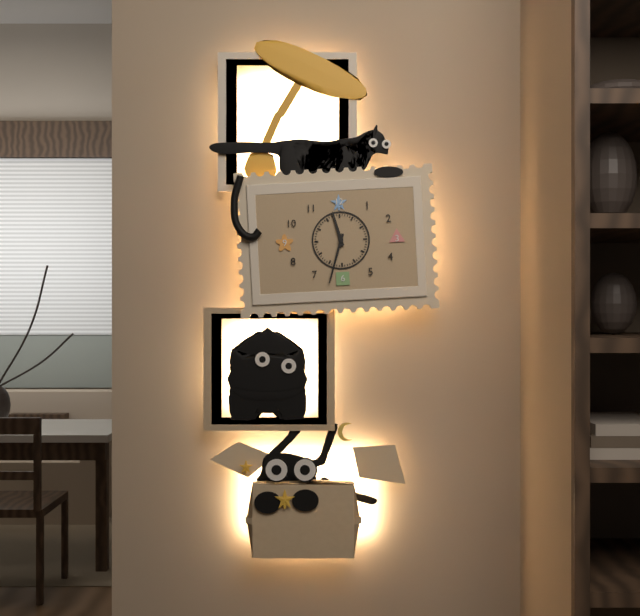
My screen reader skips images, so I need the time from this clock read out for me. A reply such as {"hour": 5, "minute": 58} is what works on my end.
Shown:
{"hour": 11, "minute": 33}
